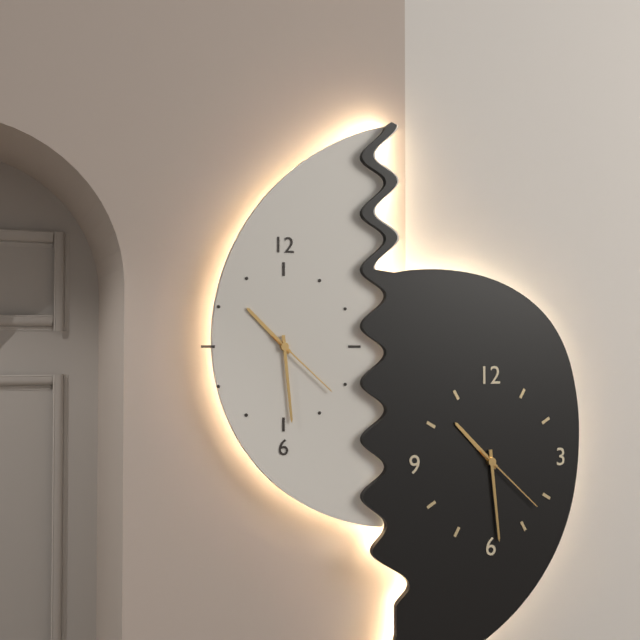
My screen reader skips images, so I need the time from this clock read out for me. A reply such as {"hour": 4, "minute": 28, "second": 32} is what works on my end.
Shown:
{"hour": 10, "minute": 29, "second": 22}
